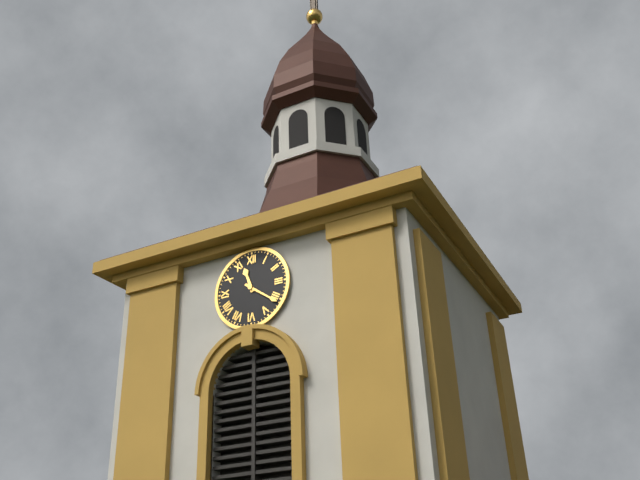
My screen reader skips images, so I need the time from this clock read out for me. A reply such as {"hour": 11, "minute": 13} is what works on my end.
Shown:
{"hour": 11, "minute": 21}
